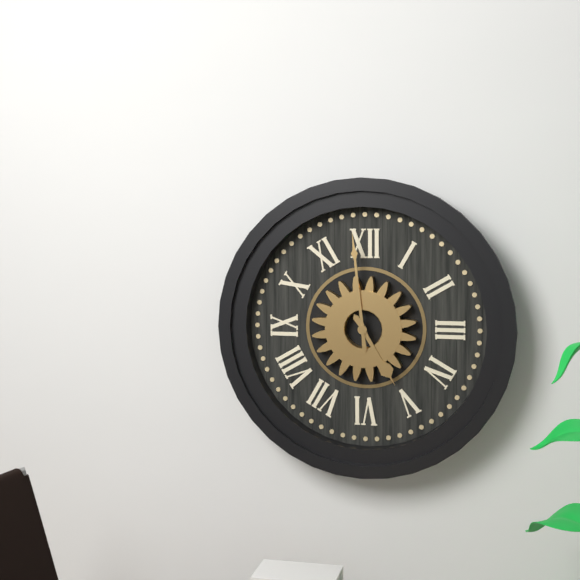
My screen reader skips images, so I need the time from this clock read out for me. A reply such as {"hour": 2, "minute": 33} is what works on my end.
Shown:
{"hour": 4, "minute": 59}
